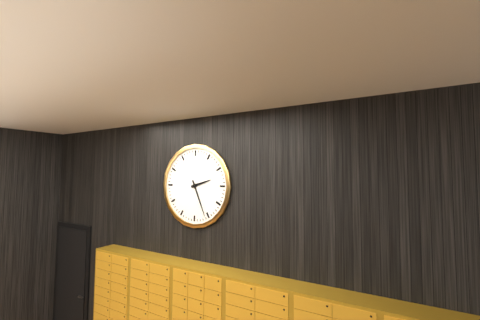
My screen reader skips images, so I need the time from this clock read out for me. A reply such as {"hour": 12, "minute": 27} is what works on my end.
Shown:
{"hour": 2, "minute": 26}
